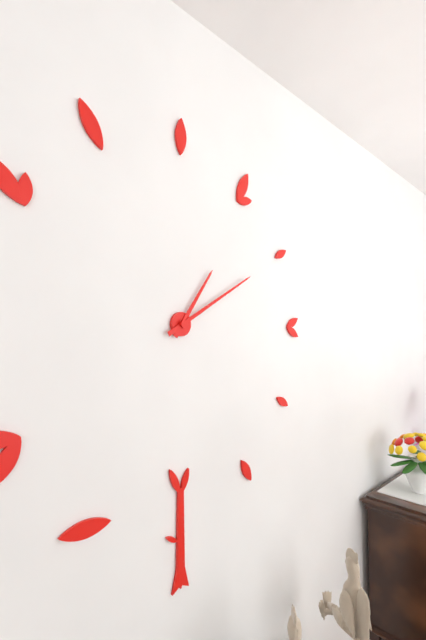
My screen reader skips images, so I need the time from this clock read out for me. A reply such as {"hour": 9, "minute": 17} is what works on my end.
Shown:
{"hour": 1, "minute": 10}
